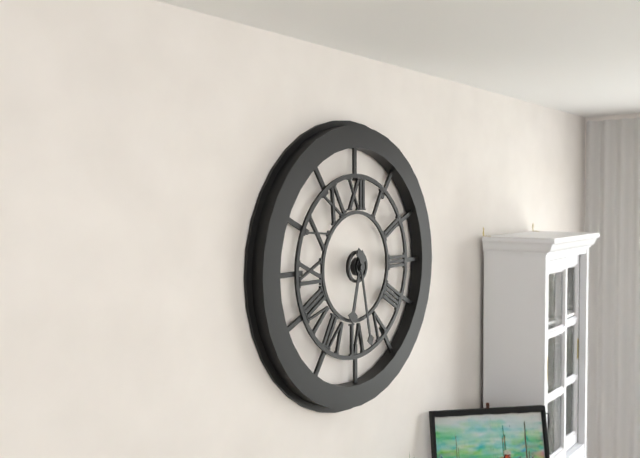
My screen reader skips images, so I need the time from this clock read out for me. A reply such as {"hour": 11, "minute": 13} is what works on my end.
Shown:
{"hour": 6, "minute": 28}
